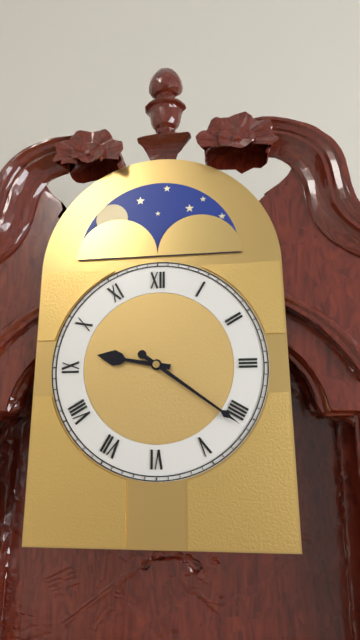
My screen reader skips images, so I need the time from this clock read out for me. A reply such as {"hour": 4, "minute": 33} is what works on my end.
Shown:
{"hour": 9, "minute": 21}
